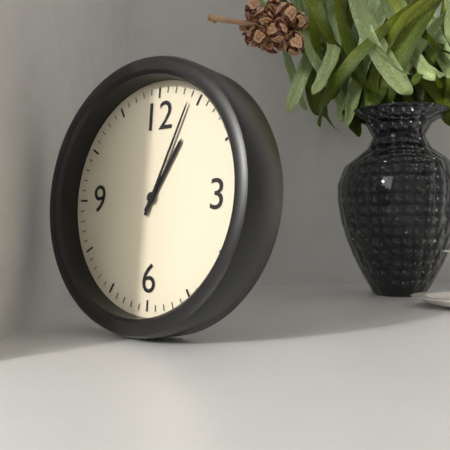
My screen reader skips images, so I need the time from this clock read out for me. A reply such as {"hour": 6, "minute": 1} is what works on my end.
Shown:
{"hour": 1, "minute": 4}
